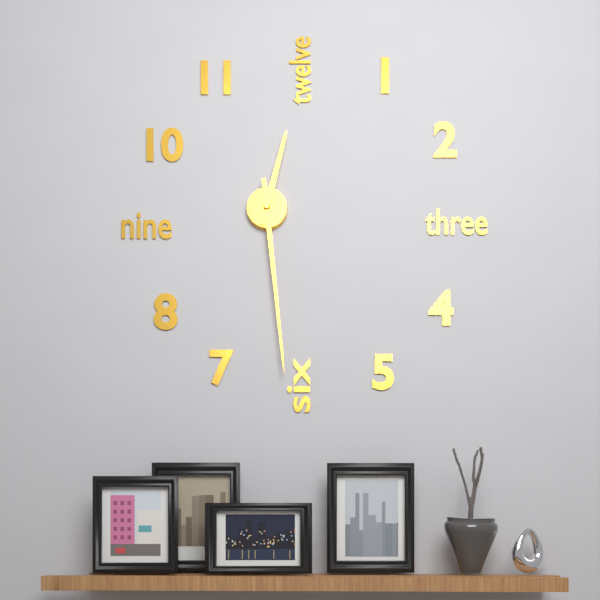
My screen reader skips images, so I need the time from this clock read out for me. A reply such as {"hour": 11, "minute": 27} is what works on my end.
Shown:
{"hour": 12, "minute": 29}
